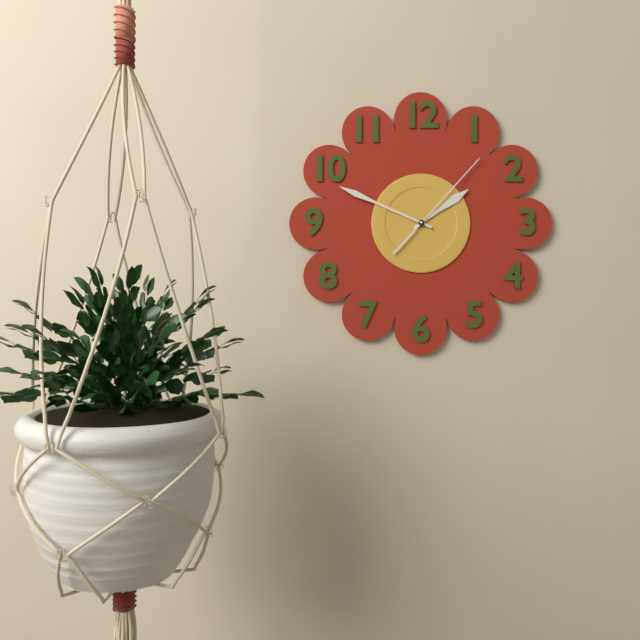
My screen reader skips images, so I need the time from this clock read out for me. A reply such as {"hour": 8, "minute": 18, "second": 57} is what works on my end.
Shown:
{"hour": 1, "minute": 49, "second": 7}
